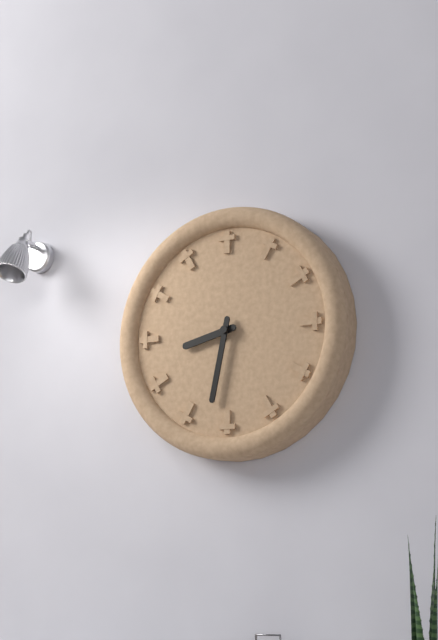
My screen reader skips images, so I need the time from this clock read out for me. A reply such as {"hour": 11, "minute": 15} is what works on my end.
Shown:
{"hour": 8, "minute": 32}
